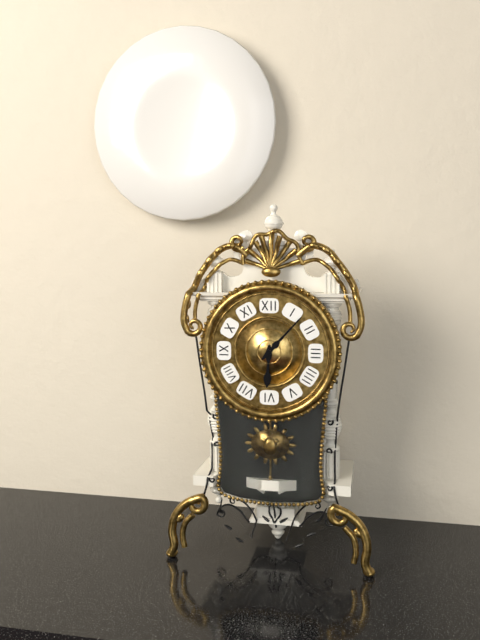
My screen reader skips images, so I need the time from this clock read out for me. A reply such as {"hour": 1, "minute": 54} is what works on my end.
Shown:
{"hour": 6, "minute": 7}
